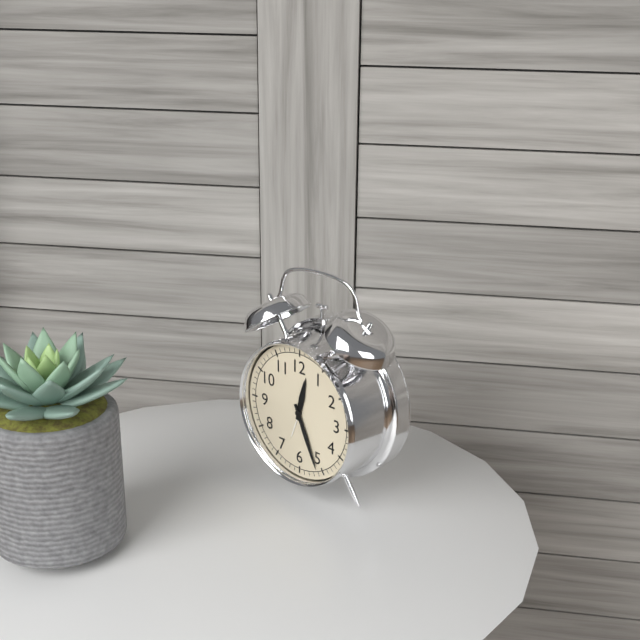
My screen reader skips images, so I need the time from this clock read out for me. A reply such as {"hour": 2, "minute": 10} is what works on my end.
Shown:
{"hour": 12, "minute": 26}
